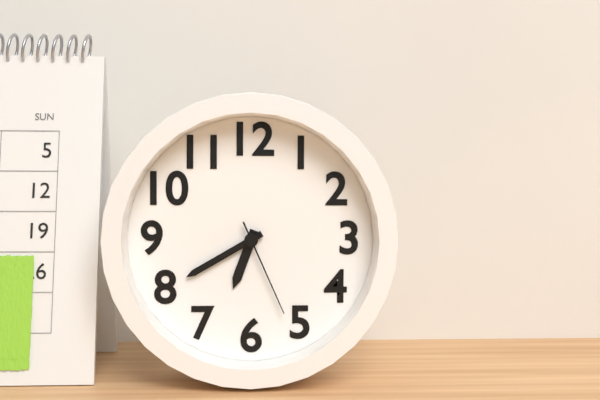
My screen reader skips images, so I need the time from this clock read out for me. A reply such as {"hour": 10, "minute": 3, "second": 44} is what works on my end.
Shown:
{"hour": 6, "minute": 40, "second": 26}
